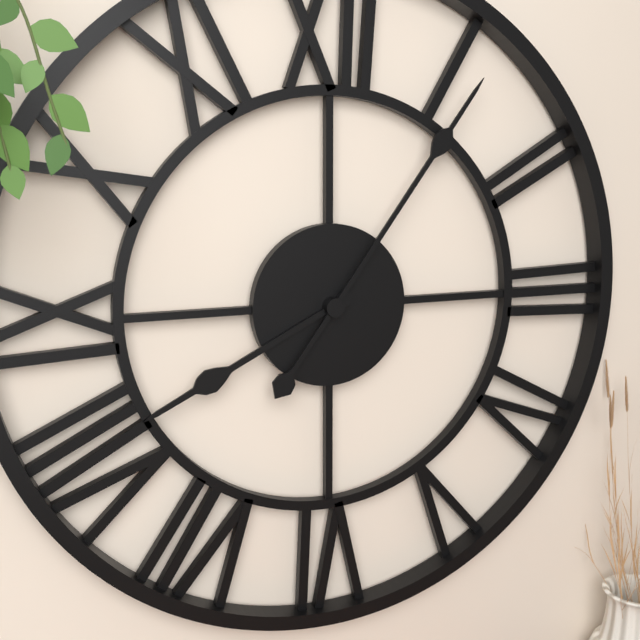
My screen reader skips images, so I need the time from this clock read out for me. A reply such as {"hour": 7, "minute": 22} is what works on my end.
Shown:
{"hour": 8, "minute": 6}
